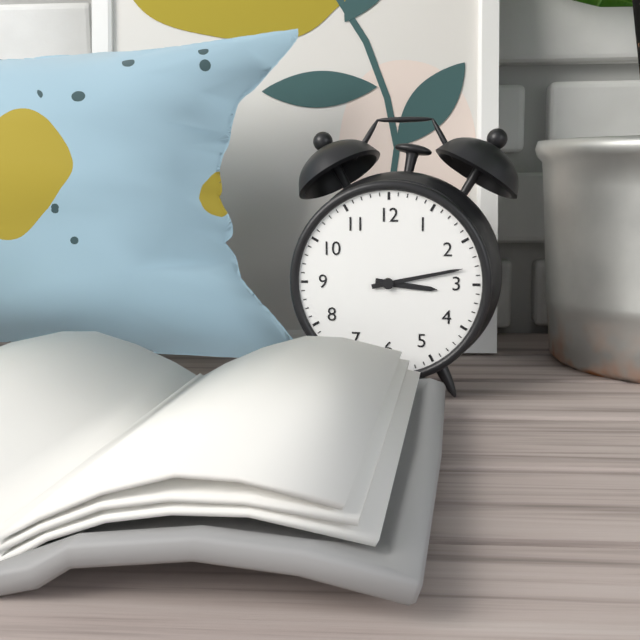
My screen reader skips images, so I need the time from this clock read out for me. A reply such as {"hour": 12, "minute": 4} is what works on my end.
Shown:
{"hour": 3, "minute": 13}
